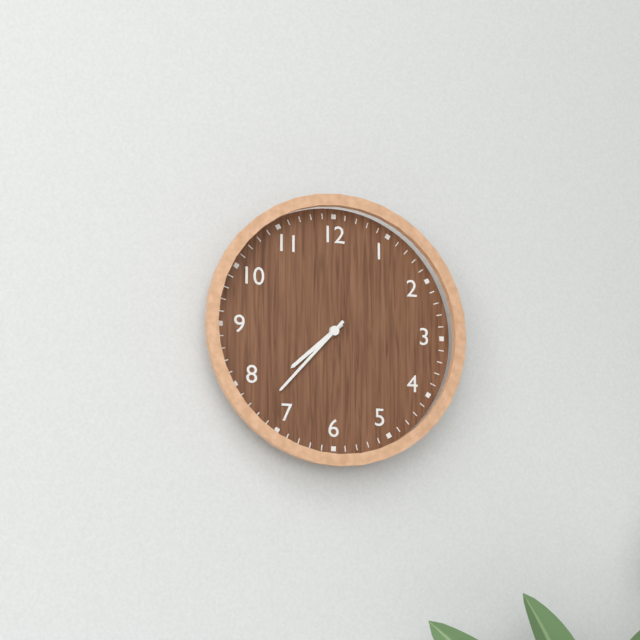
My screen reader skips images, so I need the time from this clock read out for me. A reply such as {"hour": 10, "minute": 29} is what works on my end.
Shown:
{"hour": 7, "minute": 37}
